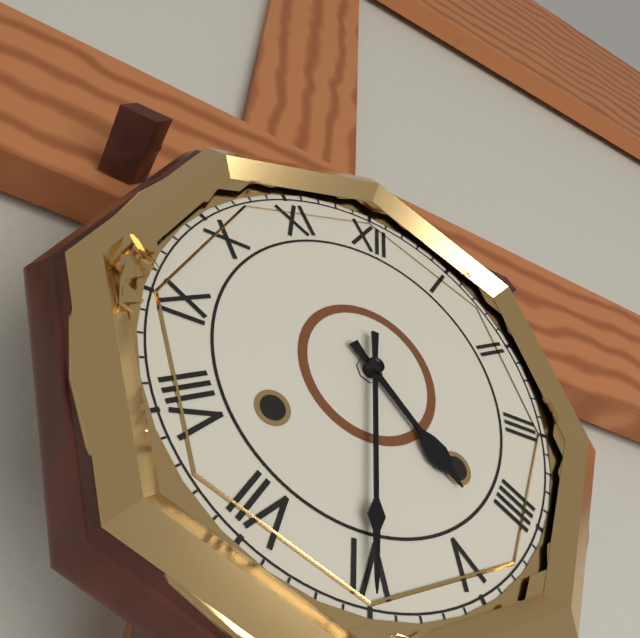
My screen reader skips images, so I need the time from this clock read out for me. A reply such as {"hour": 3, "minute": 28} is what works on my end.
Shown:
{"hour": 4, "minute": 30}
